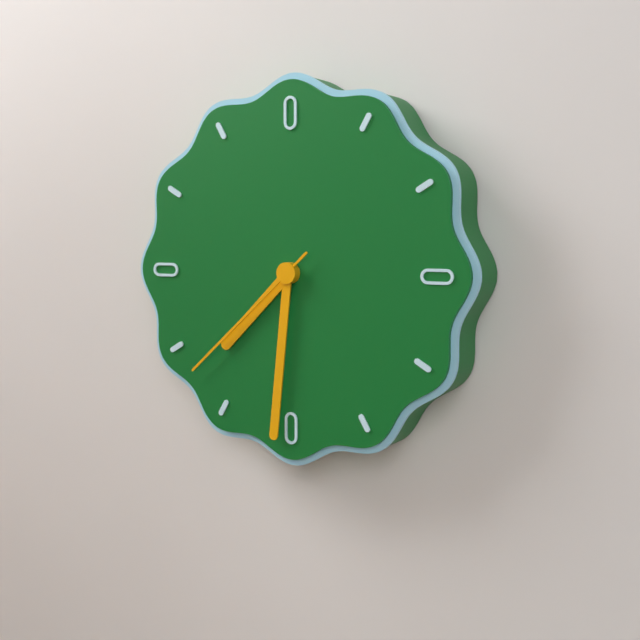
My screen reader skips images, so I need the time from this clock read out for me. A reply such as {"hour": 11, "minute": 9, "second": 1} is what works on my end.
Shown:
{"hour": 7, "minute": 31, "second": 38}
